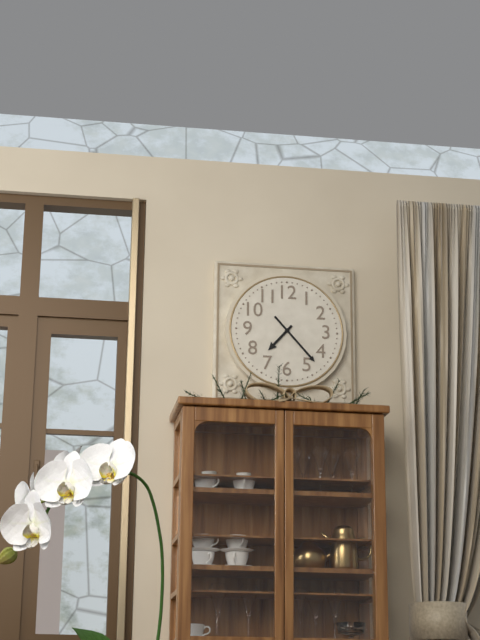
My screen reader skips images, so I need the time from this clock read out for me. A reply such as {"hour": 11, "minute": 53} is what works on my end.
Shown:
{"hour": 7, "minute": 23}
